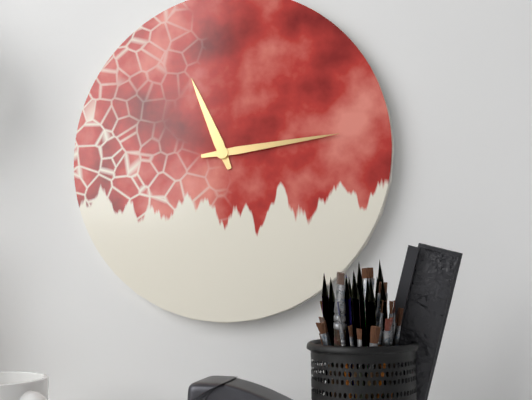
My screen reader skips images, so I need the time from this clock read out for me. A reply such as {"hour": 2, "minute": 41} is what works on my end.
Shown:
{"hour": 11, "minute": 14}
